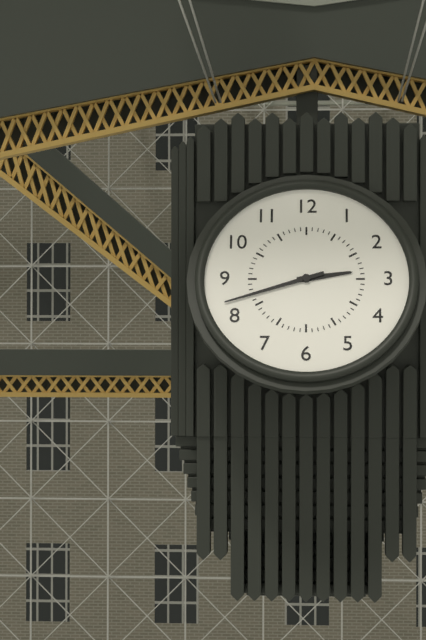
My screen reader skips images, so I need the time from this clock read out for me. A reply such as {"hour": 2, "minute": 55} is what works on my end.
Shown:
{"hour": 2, "minute": 42}
